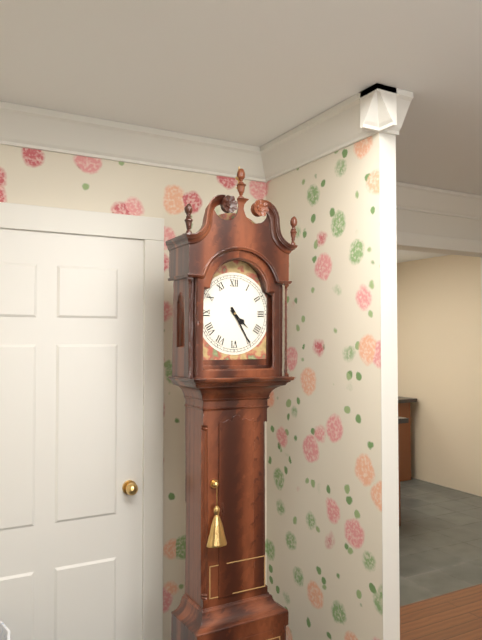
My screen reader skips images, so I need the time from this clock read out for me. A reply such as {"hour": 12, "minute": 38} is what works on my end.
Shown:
{"hour": 4, "minute": 25}
